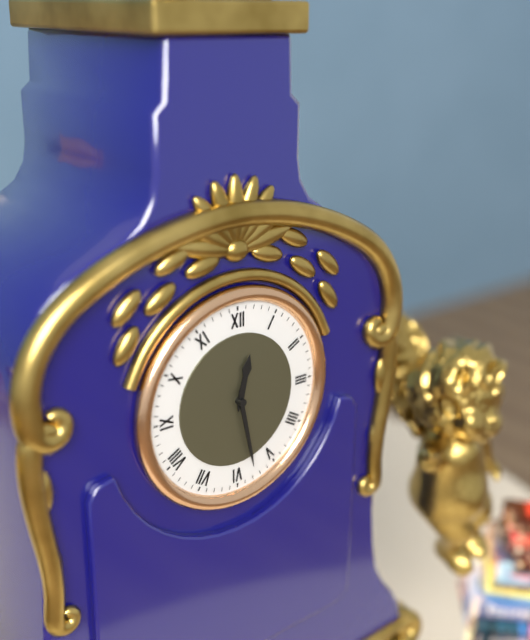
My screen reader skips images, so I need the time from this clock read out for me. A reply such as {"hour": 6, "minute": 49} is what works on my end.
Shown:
{"hour": 12, "minute": 28}
